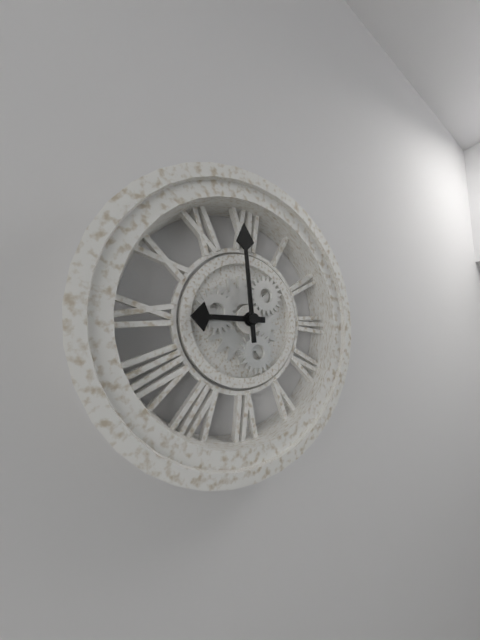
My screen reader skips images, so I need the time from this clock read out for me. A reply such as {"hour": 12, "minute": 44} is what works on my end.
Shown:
{"hour": 8, "minute": 59}
